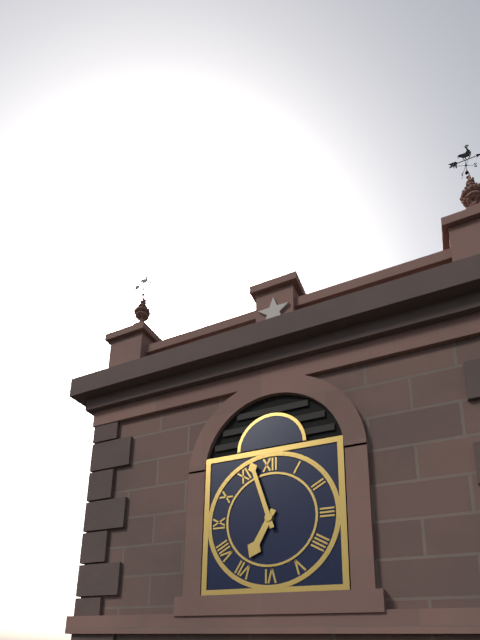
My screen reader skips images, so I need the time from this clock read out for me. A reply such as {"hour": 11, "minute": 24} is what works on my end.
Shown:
{"hour": 6, "minute": 57}
